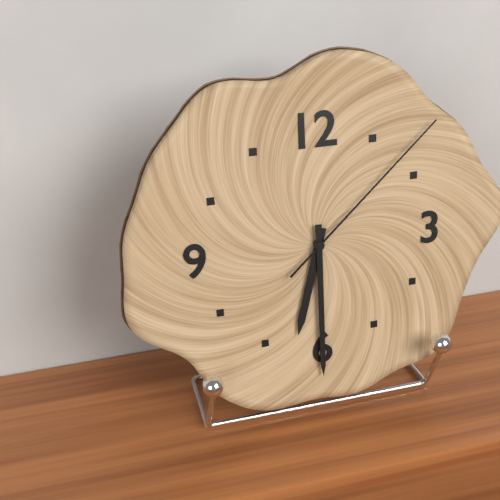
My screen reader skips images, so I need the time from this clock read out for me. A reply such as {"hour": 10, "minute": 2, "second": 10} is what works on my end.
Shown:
{"hour": 6, "minute": 30, "second": 8}
